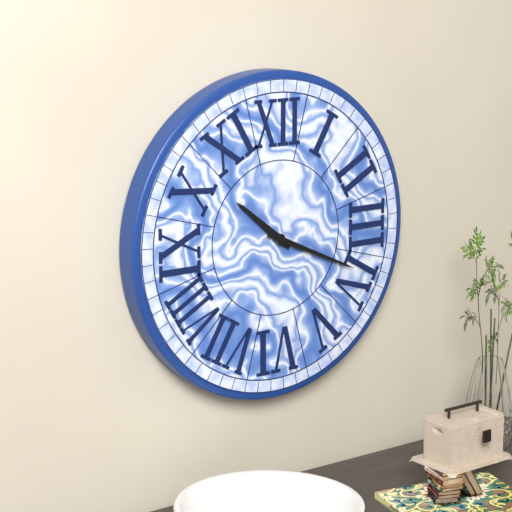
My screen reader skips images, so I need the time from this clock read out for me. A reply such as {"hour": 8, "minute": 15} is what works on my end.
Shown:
{"hour": 10, "minute": 19}
